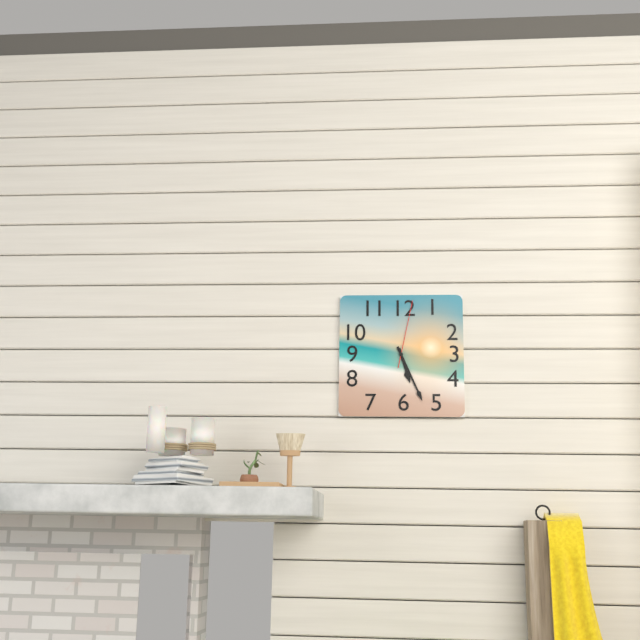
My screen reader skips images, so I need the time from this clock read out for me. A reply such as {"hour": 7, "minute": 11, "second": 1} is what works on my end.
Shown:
{"hour": 5, "minute": 26, "second": 2}
